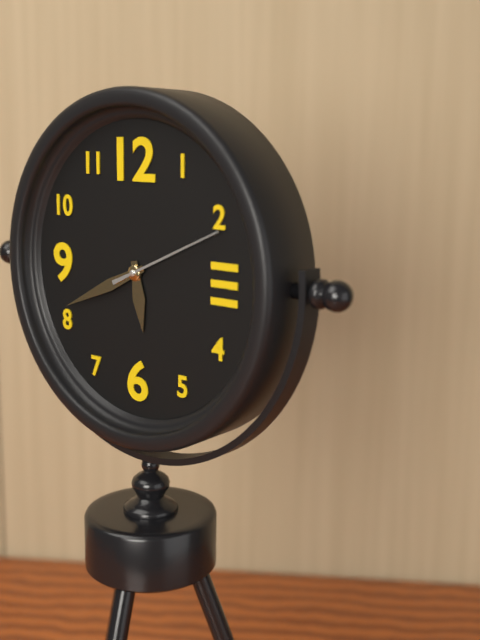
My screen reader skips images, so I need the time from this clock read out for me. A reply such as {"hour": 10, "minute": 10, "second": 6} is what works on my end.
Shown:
{"hour": 5, "minute": 41, "second": 11}
